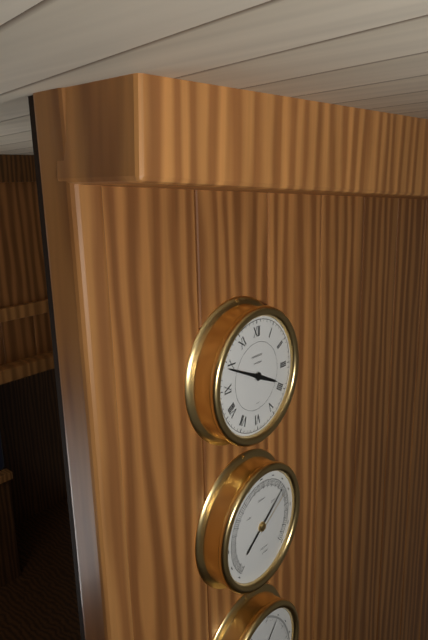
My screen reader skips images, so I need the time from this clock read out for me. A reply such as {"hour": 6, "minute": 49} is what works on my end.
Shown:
{"hour": 3, "minute": 49}
